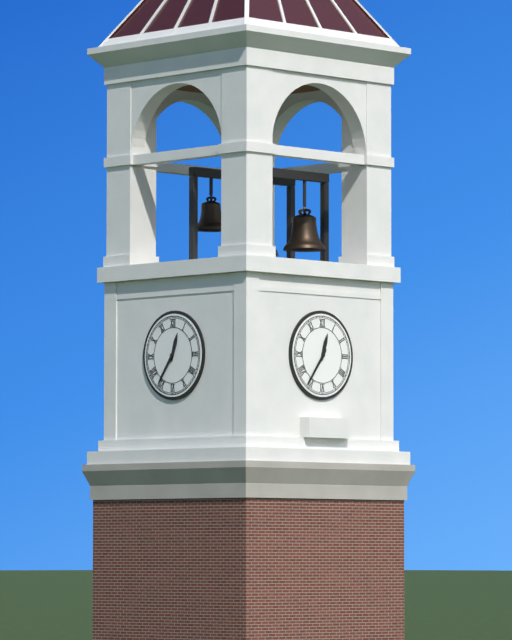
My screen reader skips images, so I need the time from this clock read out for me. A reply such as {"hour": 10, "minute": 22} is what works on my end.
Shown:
{"hour": 12, "minute": 36}
